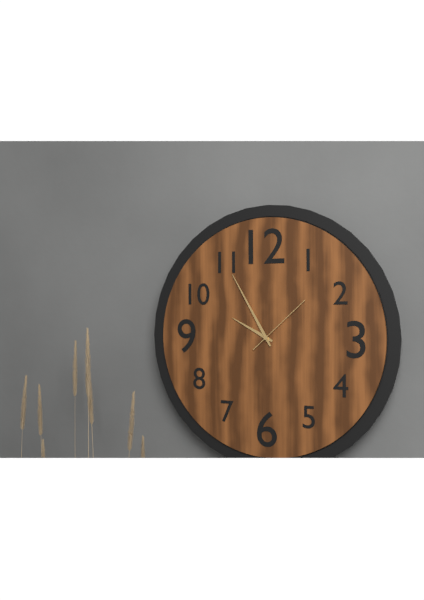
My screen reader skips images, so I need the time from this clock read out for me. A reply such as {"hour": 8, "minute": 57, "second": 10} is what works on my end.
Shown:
{"hour": 9, "minute": 55, "second": 8}
